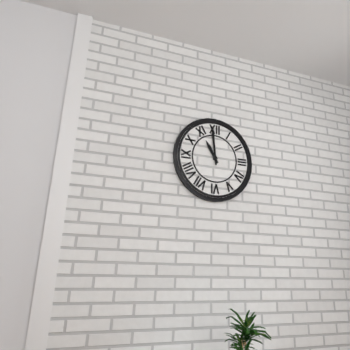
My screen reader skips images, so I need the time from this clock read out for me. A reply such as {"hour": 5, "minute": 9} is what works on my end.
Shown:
{"hour": 10, "minute": 59}
